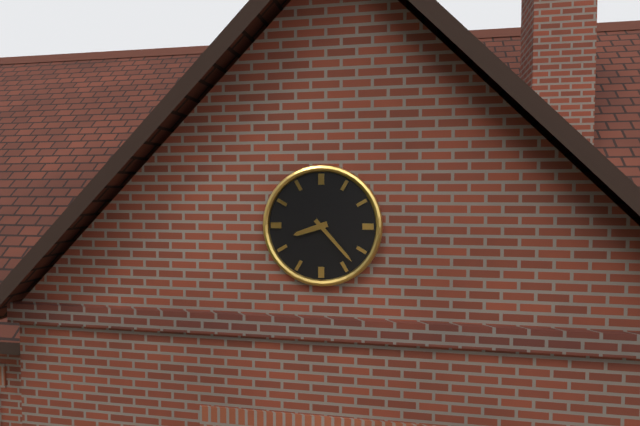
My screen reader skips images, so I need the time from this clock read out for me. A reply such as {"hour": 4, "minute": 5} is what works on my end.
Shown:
{"hour": 8, "minute": 23}
